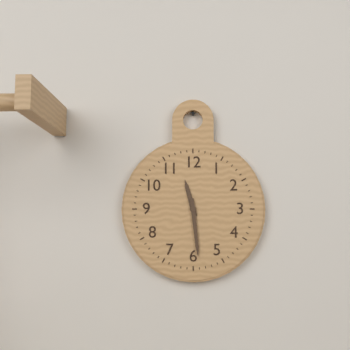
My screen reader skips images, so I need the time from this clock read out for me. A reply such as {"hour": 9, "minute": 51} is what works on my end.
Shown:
{"hour": 11, "minute": 29}
